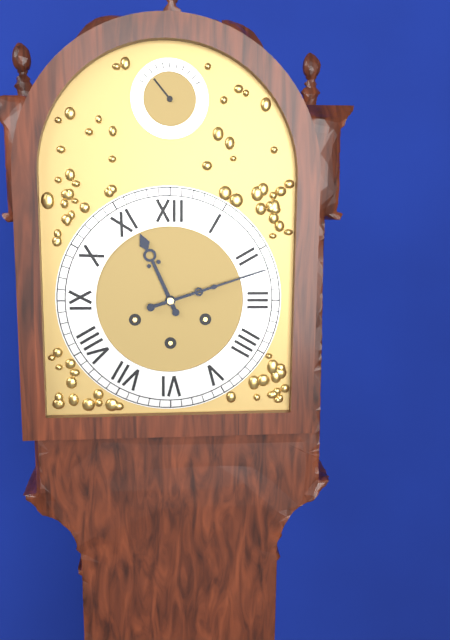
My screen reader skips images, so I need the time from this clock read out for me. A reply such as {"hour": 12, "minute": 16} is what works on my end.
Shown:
{"hour": 11, "minute": 12}
